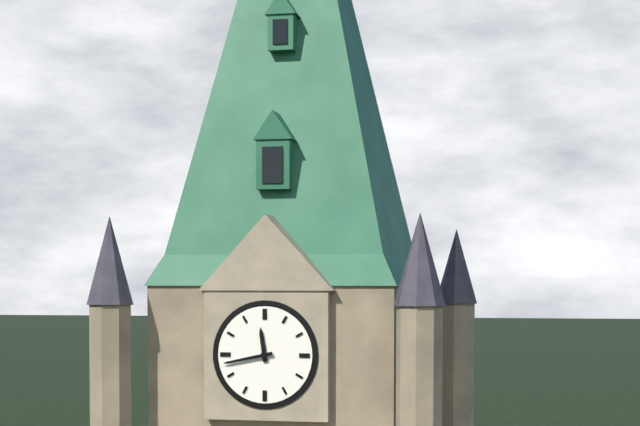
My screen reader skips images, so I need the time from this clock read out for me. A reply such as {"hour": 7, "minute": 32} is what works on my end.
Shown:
{"hour": 11, "minute": 43}
